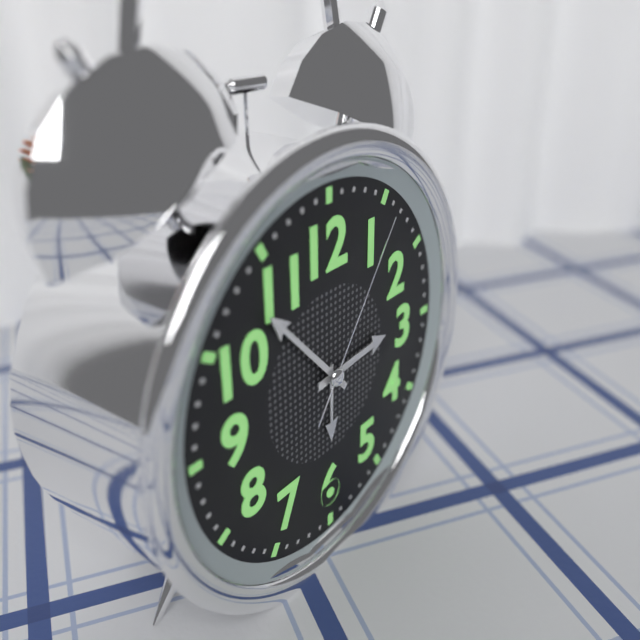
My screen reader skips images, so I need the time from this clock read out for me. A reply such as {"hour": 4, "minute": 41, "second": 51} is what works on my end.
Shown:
{"hour": 2, "minute": 53, "second": 6}
